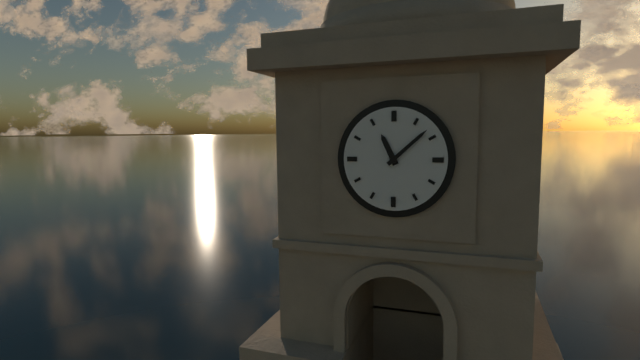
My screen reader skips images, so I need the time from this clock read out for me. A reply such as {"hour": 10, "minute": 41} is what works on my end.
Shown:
{"hour": 11, "minute": 8}
